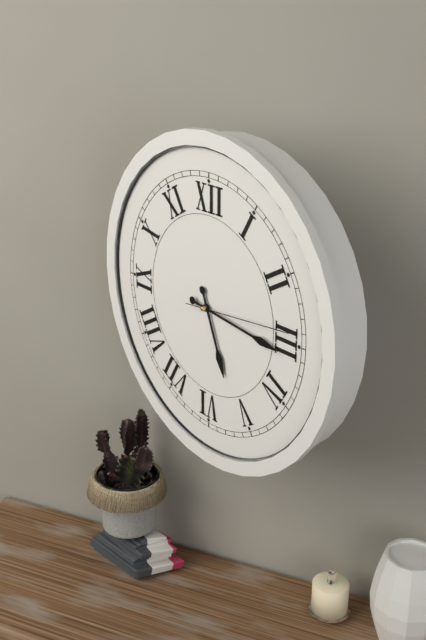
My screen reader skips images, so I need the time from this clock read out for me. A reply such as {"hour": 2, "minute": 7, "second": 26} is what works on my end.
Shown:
{"hour": 5, "minute": 16, "second": 14}
